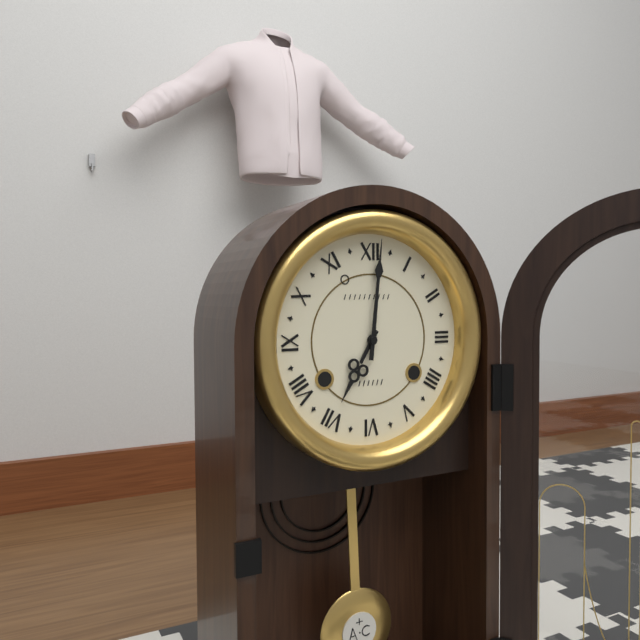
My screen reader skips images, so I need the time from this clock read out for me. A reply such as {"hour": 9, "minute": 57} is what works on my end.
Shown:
{"hour": 7, "minute": 1}
